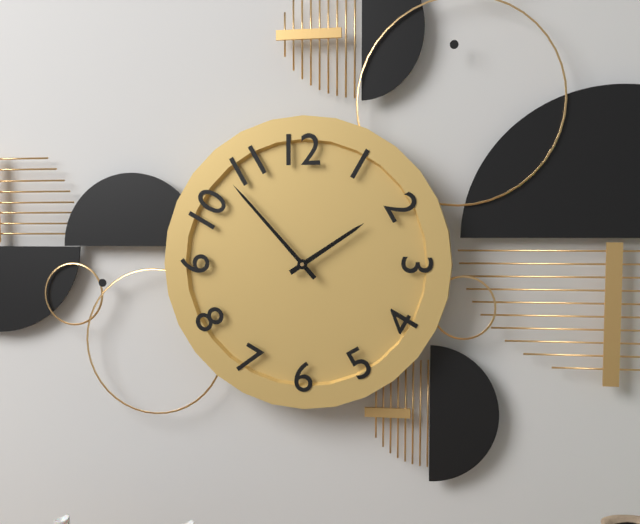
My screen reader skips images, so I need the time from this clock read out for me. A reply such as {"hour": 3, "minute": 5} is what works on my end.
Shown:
{"hour": 1, "minute": 53}
